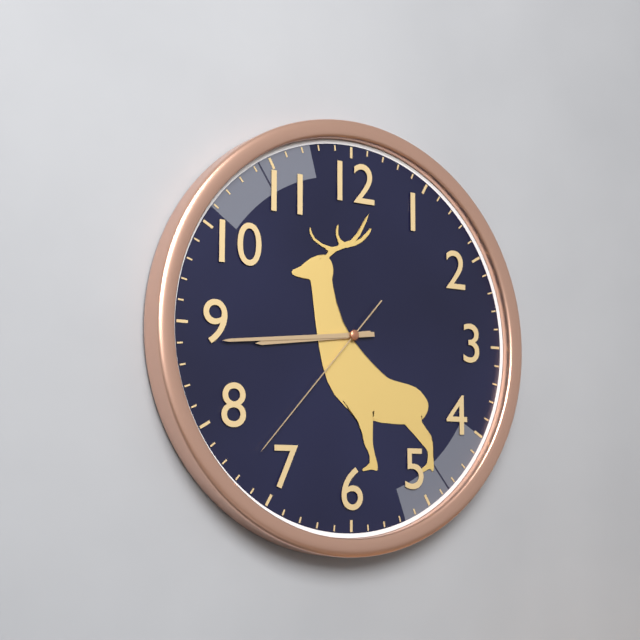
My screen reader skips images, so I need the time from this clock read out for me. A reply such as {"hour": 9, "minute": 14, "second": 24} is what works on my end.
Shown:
{"hour": 8, "minute": 44, "second": 37}
